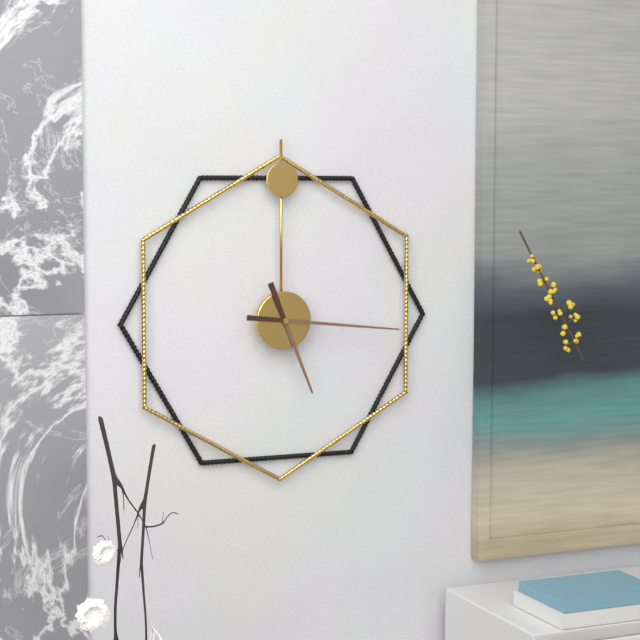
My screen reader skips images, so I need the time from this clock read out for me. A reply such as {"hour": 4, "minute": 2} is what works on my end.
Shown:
{"hour": 5, "minute": 16}
